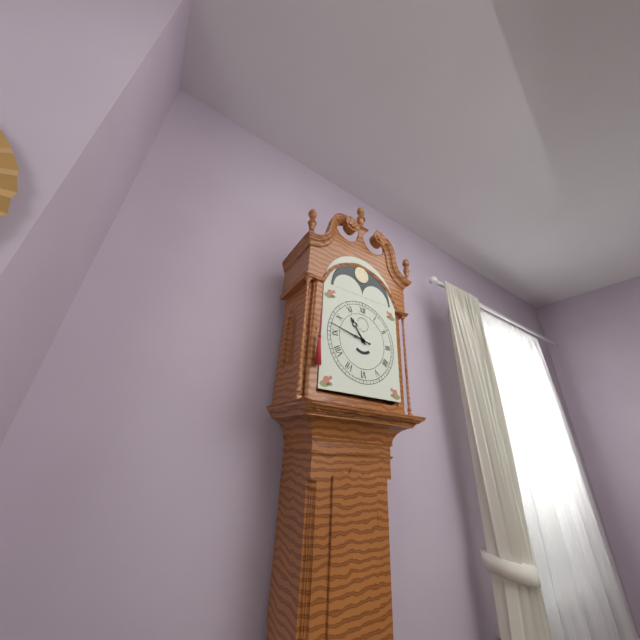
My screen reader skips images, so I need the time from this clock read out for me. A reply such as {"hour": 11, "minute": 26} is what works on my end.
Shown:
{"hour": 10, "minute": 47}
